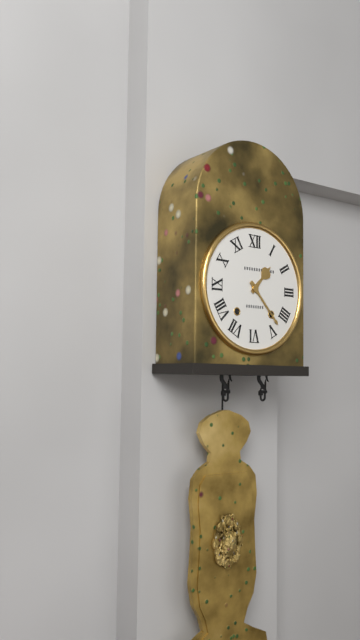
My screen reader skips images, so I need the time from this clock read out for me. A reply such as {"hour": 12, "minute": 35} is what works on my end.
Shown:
{"hour": 1, "minute": 23}
